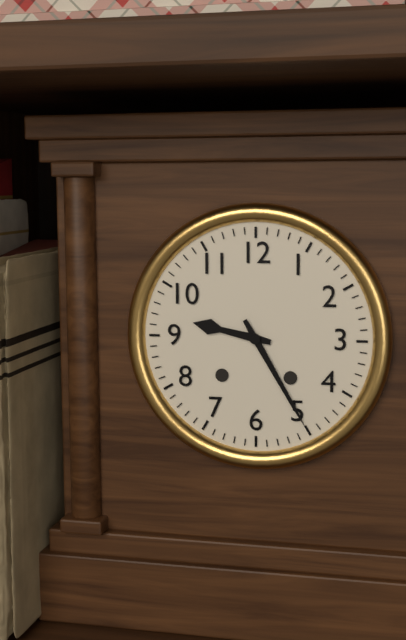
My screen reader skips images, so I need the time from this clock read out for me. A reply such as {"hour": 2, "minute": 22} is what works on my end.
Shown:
{"hour": 9, "minute": 25}
